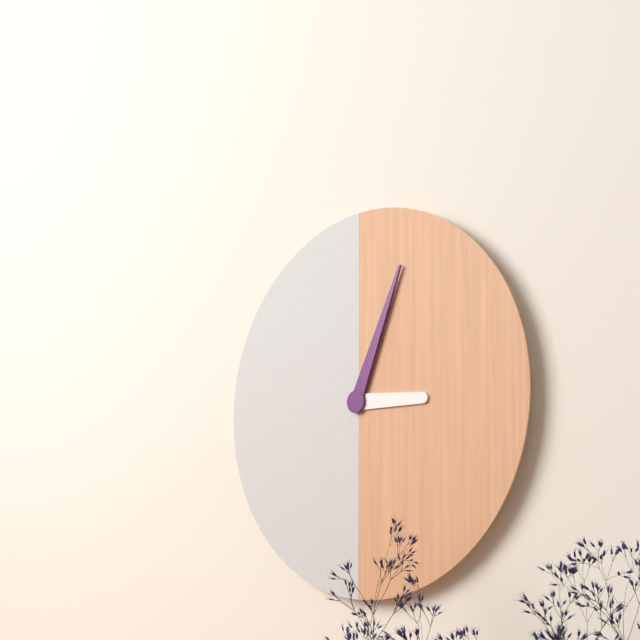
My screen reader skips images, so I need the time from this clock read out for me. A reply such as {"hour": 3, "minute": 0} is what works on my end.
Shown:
{"hour": 3, "minute": 4}
